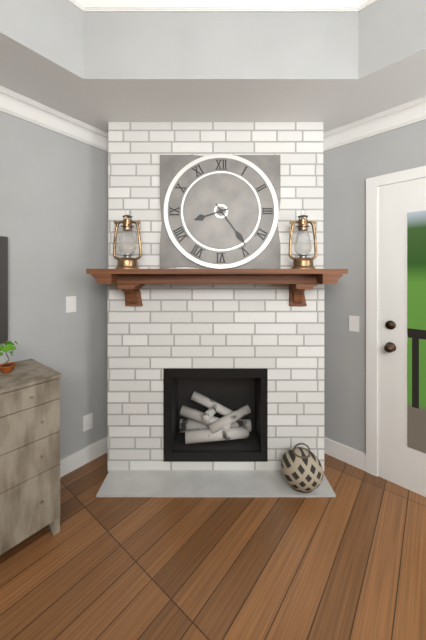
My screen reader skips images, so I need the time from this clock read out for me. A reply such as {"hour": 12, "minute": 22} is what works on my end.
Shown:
{"hour": 8, "minute": 24}
